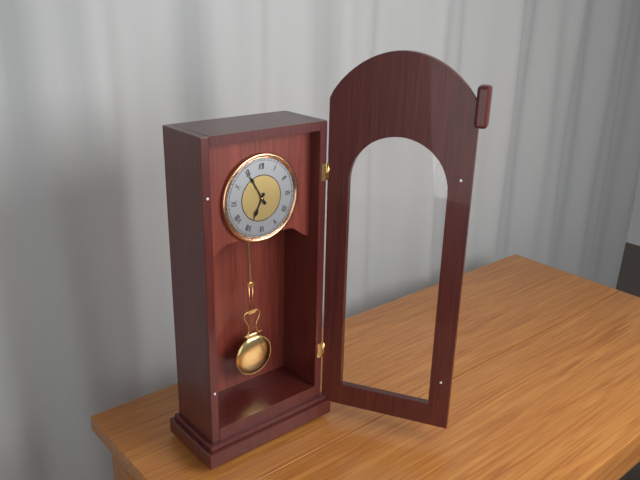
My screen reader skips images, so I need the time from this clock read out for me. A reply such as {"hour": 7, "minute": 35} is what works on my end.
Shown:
{"hour": 6, "minute": 55}
